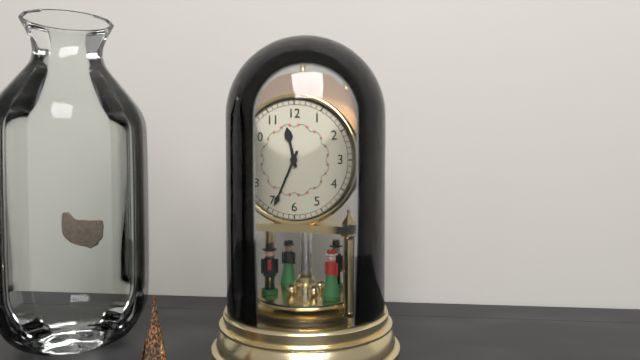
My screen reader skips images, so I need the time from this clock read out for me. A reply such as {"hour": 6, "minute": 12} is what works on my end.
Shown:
{"hour": 11, "minute": 34}
